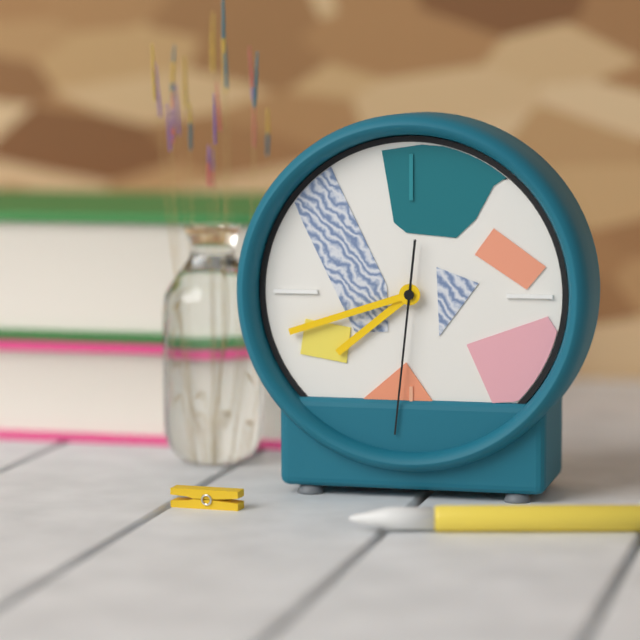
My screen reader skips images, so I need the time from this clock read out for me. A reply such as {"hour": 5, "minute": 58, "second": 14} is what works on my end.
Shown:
{"hour": 7, "minute": 42, "second": 31}
